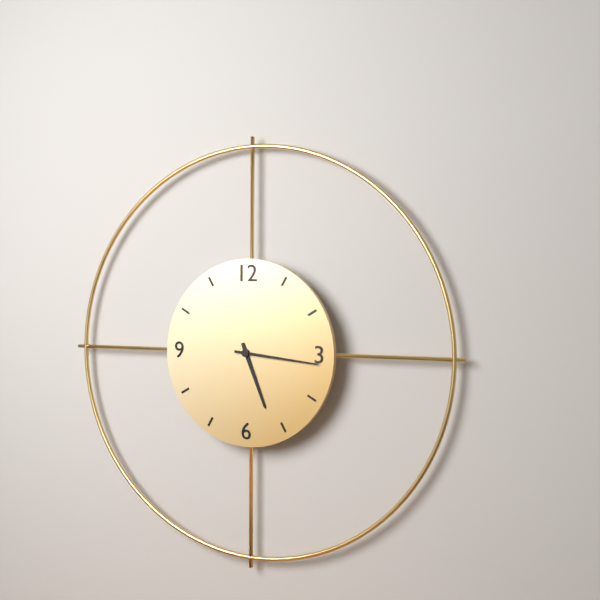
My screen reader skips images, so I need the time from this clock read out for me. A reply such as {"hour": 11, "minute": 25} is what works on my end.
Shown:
{"hour": 5, "minute": 16}
